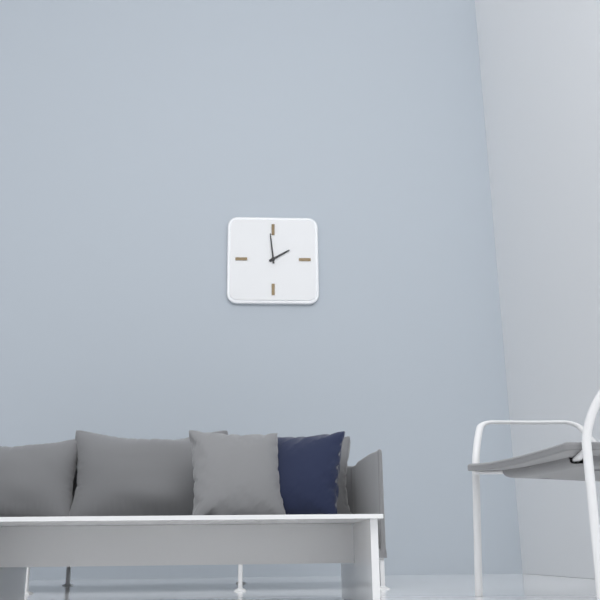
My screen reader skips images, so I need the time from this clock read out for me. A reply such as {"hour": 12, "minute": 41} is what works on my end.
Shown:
{"hour": 1, "minute": 59}
